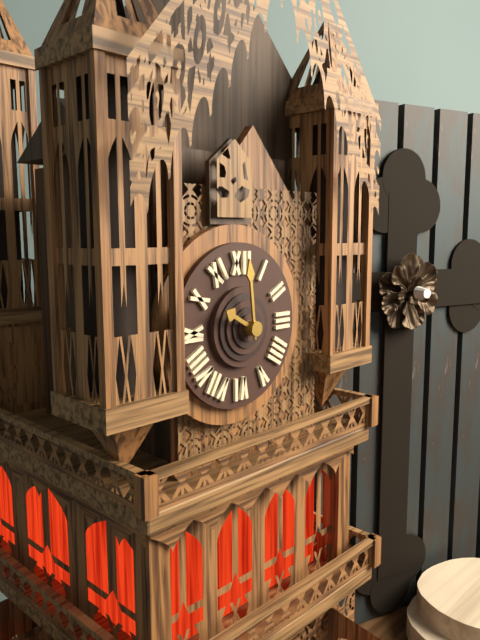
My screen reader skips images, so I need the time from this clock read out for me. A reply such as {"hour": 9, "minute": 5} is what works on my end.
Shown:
{"hour": 9, "minute": 59}
